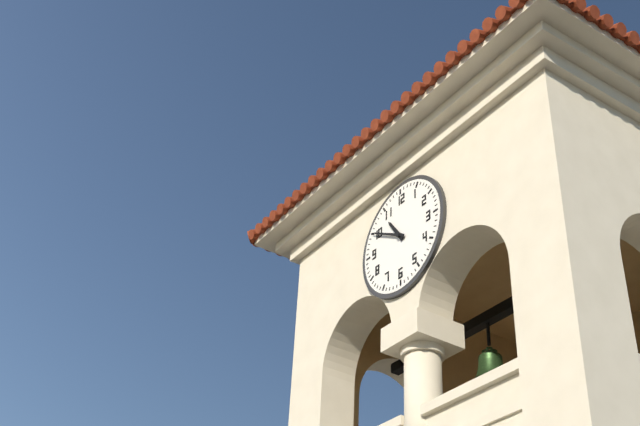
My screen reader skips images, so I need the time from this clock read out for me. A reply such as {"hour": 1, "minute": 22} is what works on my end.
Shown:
{"hour": 10, "minute": 50}
